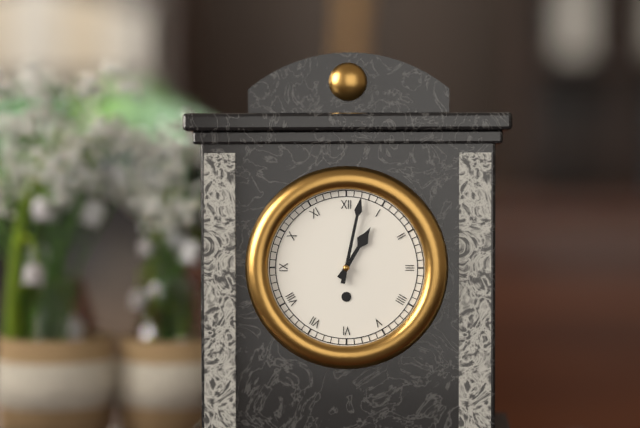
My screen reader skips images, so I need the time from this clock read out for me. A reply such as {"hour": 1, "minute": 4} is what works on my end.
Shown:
{"hour": 1, "minute": 2}
